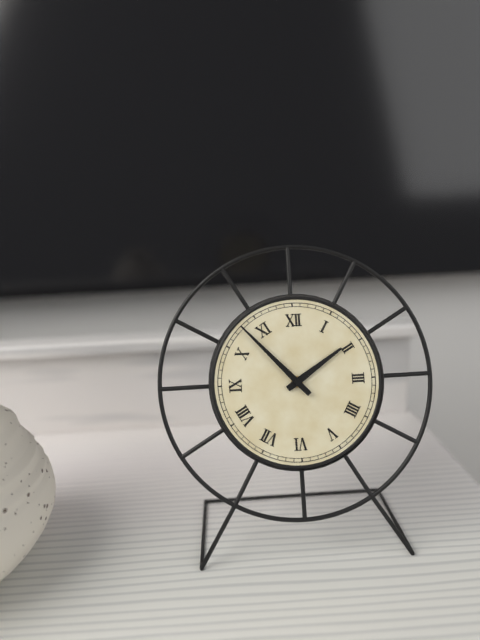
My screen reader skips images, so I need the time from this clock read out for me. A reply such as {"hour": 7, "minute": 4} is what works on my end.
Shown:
{"hour": 1, "minute": 53}
